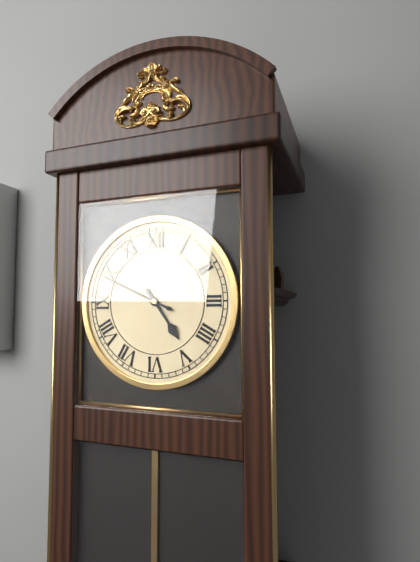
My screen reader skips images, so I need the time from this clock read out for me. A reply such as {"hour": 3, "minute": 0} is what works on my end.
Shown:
{"hour": 4, "minute": 49}
